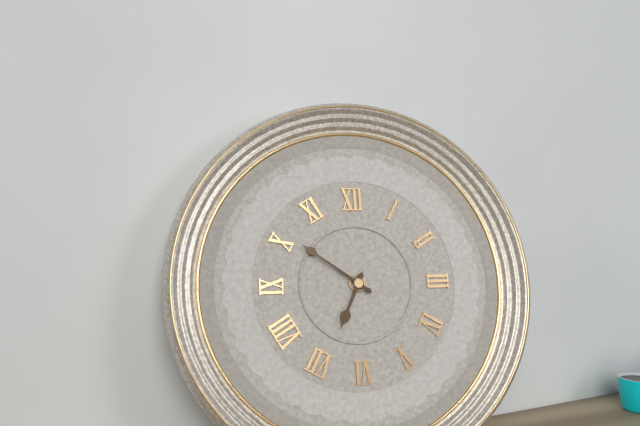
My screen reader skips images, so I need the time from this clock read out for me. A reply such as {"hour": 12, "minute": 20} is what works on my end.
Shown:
{"hour": 6, "minute": 51}
